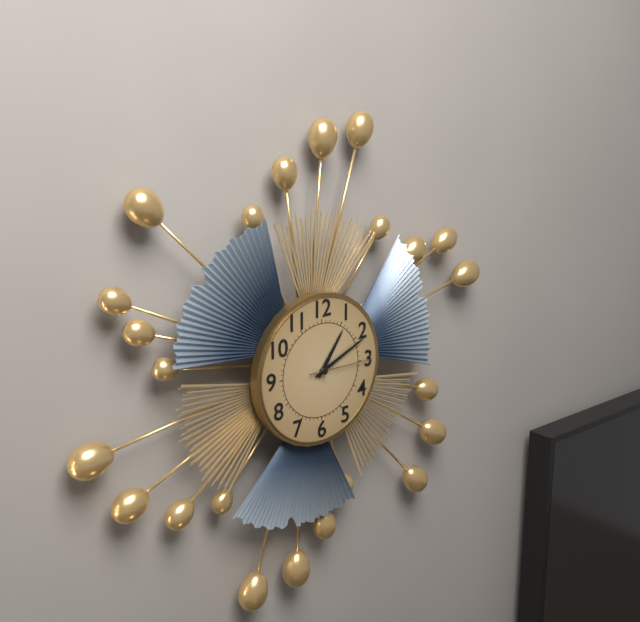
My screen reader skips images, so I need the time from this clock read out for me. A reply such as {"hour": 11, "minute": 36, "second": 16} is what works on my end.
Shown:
{"hour": 1, "minute": 11, "second": 15}
